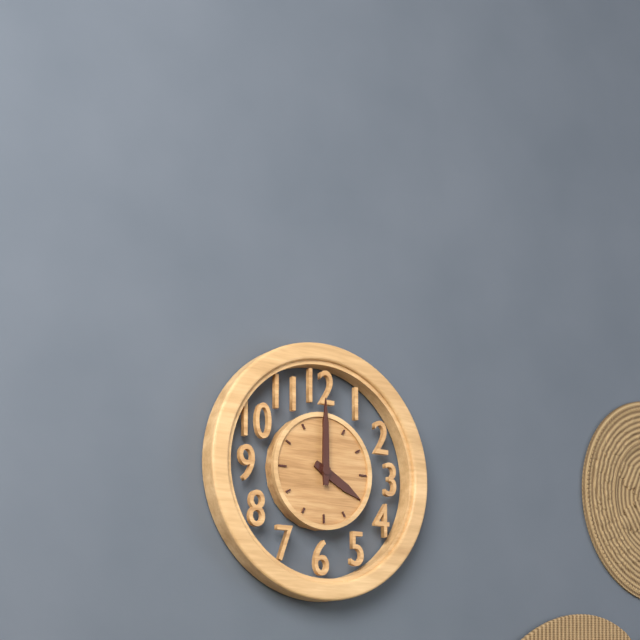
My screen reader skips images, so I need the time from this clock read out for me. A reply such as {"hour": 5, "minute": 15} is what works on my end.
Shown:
{"hour": 4, "minute": 0}
